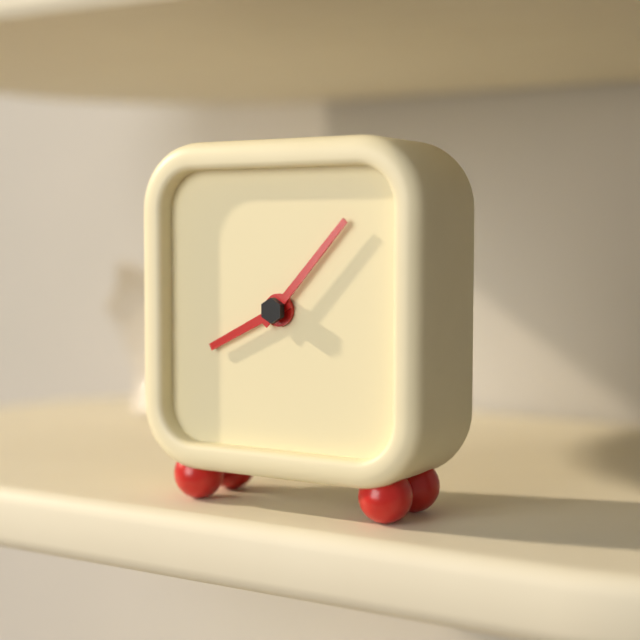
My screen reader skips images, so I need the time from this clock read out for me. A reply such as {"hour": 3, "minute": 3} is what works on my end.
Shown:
{"hour": 8, "minute": 7}
